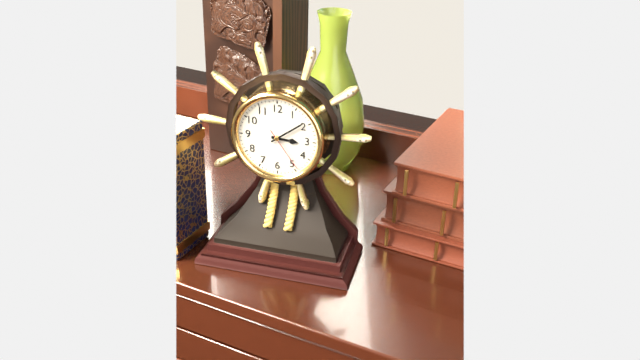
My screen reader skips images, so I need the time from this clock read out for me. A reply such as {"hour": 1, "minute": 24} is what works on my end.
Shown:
{"hour": 3, "minute": 9}
